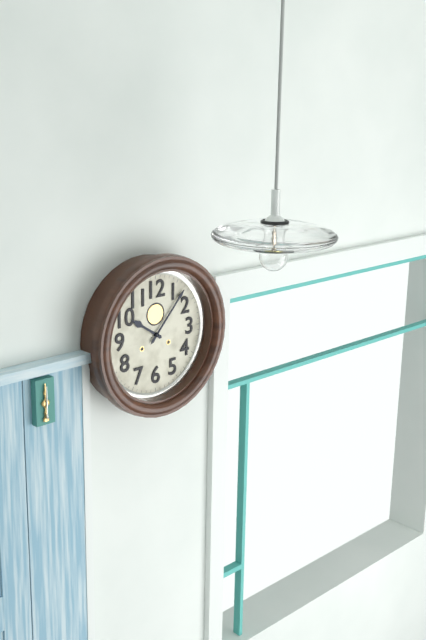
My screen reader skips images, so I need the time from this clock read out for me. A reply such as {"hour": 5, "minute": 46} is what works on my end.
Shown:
{"hour": 10, "minute": 7}
